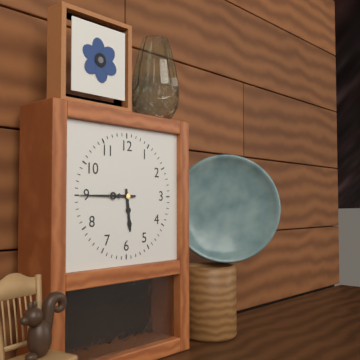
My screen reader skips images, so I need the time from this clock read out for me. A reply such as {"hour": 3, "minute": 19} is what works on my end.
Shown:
{"hour": 5, "minute": 45}
